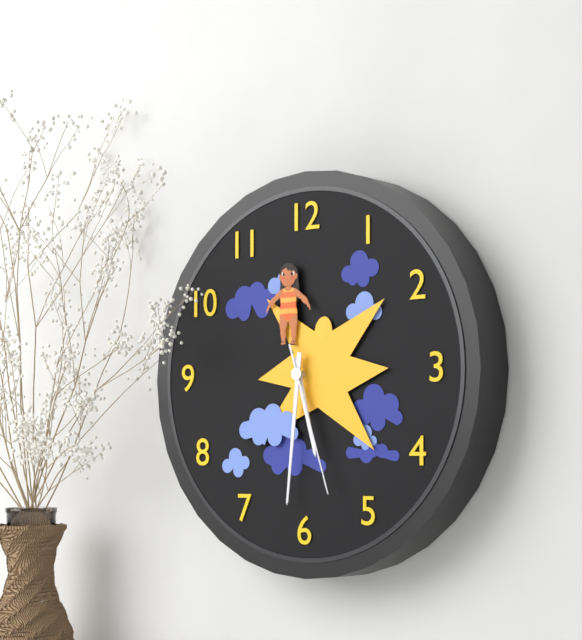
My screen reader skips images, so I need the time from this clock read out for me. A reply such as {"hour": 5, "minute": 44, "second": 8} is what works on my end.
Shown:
{"hour": 5, "minute": 31, "second": 27}
